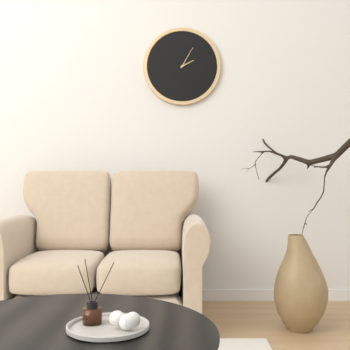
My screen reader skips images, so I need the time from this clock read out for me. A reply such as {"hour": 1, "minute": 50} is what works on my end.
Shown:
{"hour": 2, "minute": 5}
